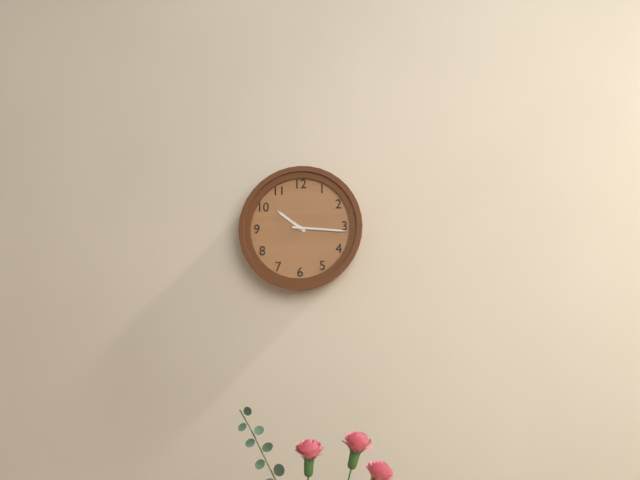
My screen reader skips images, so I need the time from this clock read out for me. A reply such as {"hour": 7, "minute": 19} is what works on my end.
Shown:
{"hour": 10, "minute": 16}
